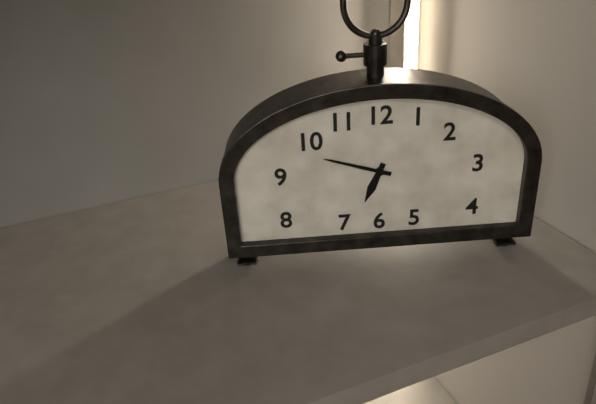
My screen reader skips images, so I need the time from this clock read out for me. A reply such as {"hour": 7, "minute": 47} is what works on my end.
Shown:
{"hour": 6, "minute": 48}
